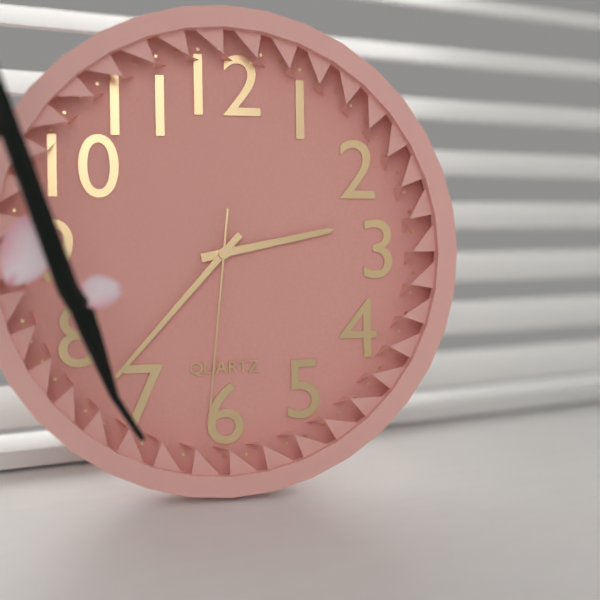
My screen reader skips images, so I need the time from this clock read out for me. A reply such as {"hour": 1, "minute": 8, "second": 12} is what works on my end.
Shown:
{"hour": 2, "minute": 37, "second": 31}
